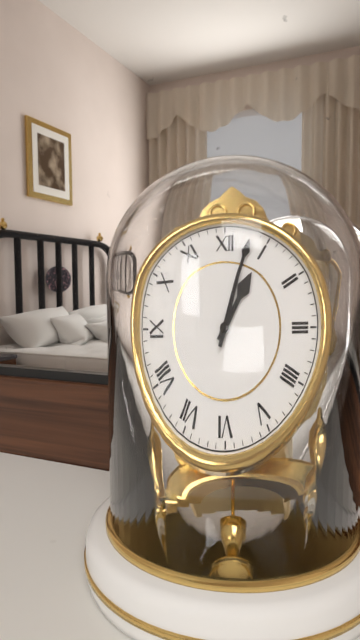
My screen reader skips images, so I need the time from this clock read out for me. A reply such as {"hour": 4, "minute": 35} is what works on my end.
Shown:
{"hour": 1, "minute": 3}
